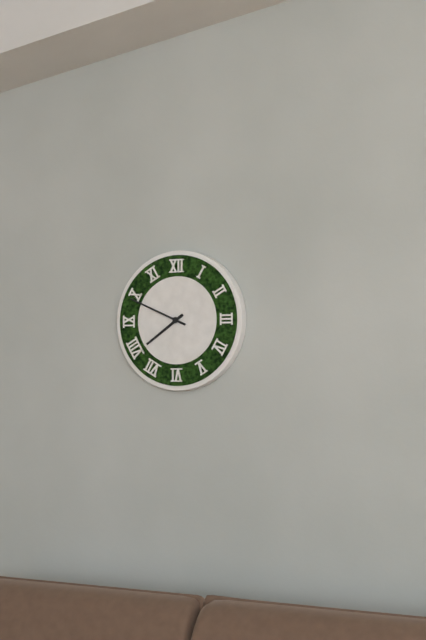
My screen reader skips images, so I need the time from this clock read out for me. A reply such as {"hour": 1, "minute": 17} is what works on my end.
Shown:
{"hour": 7, "minute": 49}
